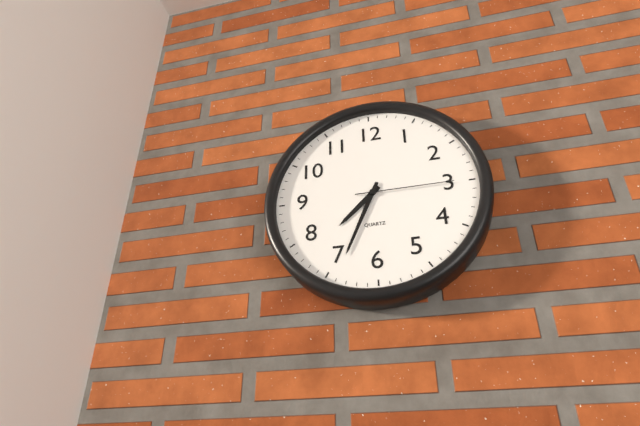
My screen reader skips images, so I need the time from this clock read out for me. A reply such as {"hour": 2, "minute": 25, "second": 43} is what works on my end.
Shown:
{"hour": 7, "minute": 34, "second": 15}
